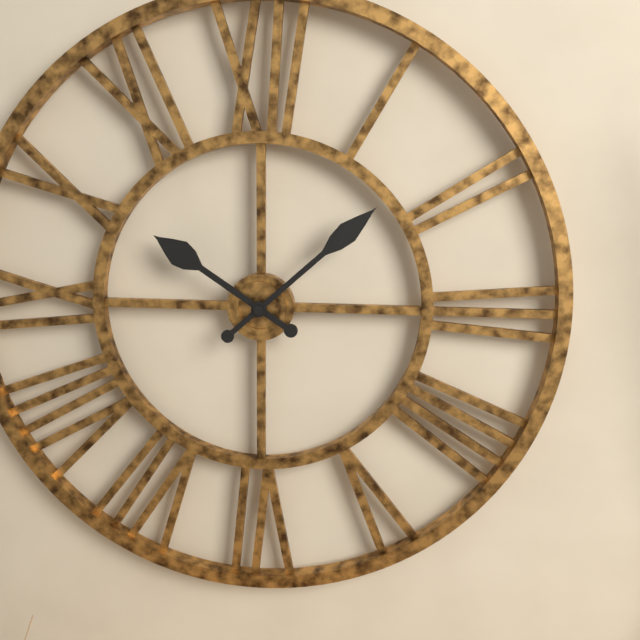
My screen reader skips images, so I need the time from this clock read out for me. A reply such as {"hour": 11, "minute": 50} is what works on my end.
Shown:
{"hour": 10, "minute": 8}
